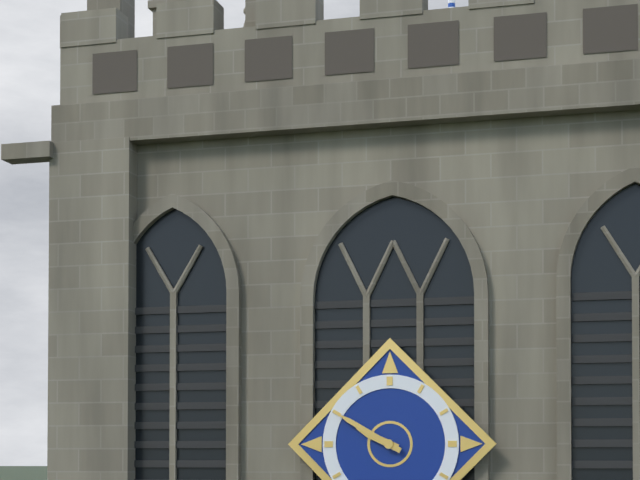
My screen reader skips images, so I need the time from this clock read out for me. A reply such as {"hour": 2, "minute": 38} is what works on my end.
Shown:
{"hour": 9, "minute": 50}
